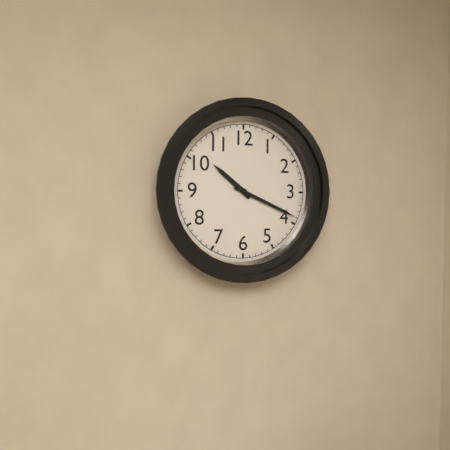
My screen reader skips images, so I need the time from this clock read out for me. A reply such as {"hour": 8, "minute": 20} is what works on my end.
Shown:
{"hour": 10, "minute": 19}
